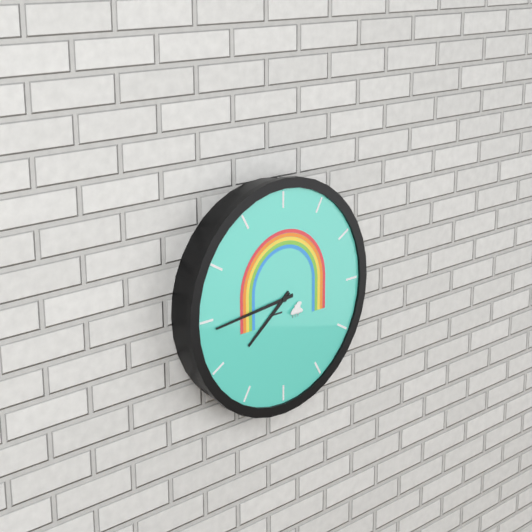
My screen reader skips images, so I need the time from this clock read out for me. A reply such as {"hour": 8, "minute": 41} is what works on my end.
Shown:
{"hour": 7, "minute": 44}
